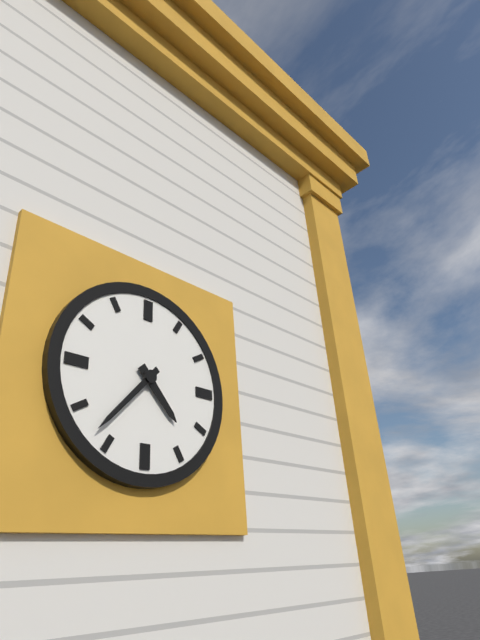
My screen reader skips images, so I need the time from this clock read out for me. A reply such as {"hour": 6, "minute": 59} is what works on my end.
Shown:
{"hour": 4, "minute": 37}
